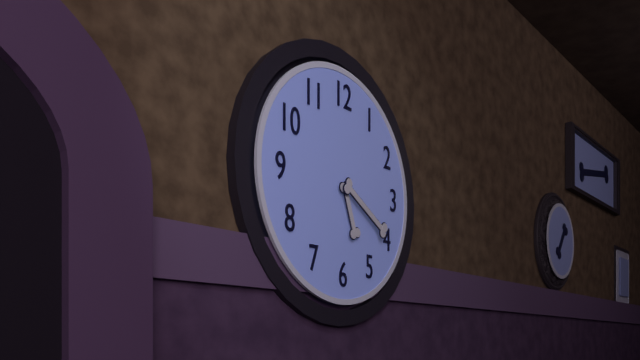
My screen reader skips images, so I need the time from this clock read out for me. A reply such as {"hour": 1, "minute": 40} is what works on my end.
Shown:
{"hour": 5, "minute": 20}
